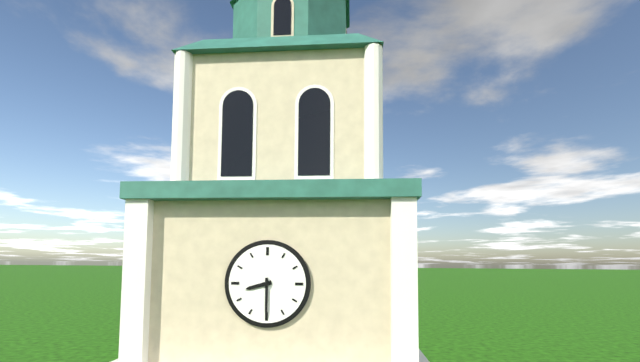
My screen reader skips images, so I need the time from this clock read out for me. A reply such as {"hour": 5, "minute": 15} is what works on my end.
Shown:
{"hour": 8, "minute": 30}
